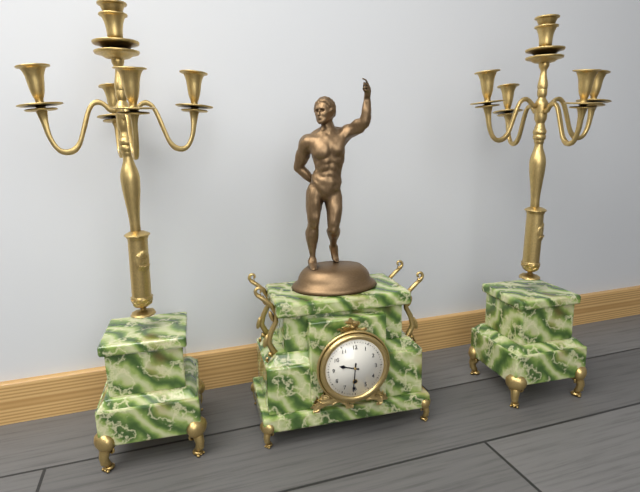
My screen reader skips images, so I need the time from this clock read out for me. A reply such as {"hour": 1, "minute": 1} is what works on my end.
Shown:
{"hour": 9, "minute": 31}
